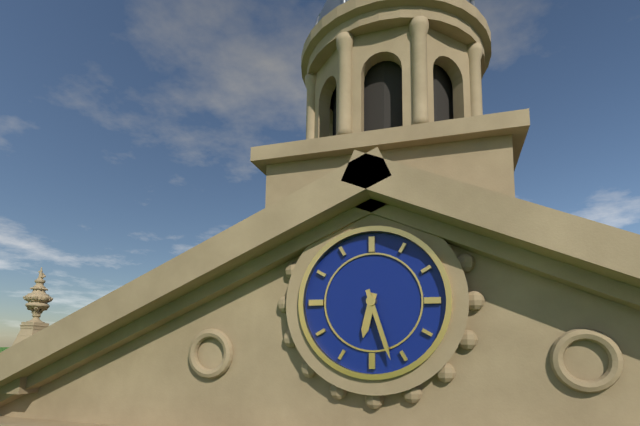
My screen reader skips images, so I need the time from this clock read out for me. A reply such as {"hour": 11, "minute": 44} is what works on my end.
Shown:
{"hour": 6, "minute": 27}
